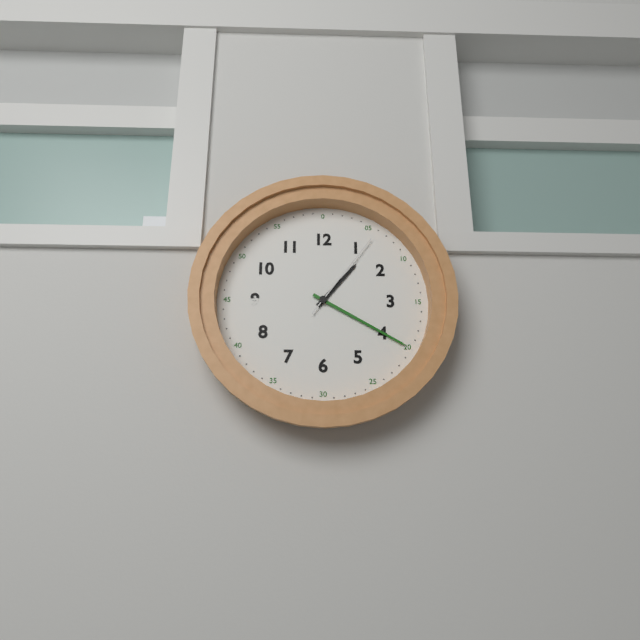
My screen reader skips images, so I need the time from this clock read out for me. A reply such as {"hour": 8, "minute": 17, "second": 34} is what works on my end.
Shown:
{"hour": 1, "minute": 20, "second": 6}
